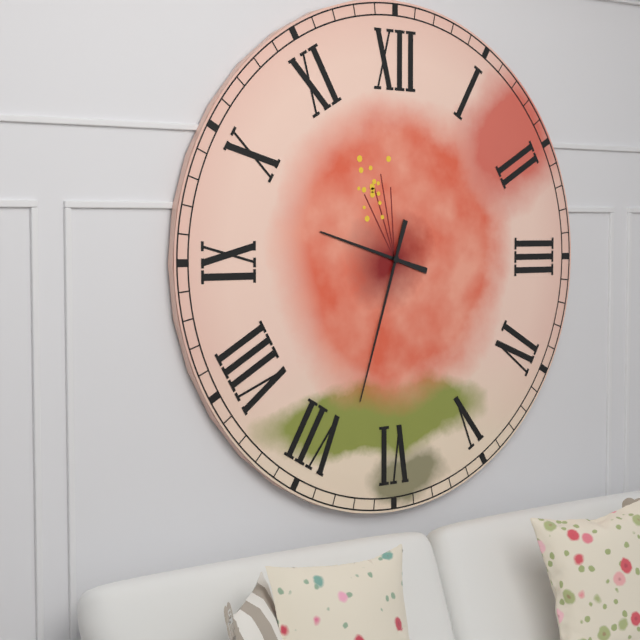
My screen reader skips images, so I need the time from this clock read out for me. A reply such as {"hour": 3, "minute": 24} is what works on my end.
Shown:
{"hour": 9, "minute": 33}
